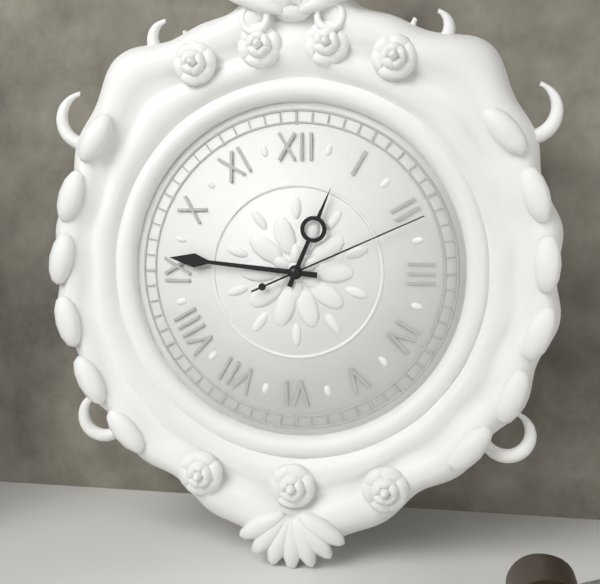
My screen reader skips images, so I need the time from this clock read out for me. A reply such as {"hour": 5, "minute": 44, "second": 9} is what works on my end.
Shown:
{"hour": 12, "minute": 46, "second": 11}
